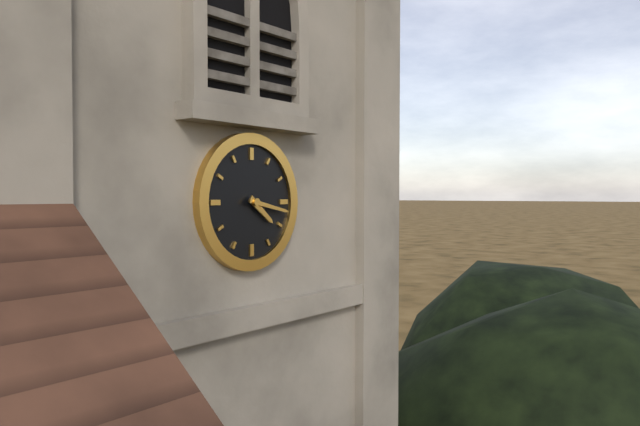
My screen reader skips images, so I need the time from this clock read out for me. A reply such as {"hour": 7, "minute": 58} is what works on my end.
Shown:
{"hour": 4, "minute": 17}
